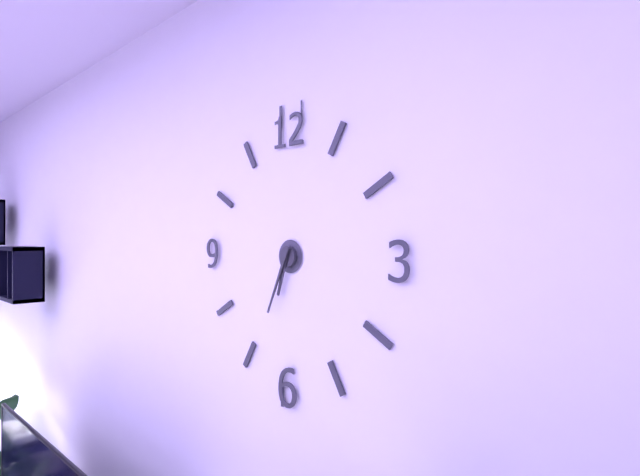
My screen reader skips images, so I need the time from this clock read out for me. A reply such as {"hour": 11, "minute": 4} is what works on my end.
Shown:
{"hour": 6, "minute": 34}
